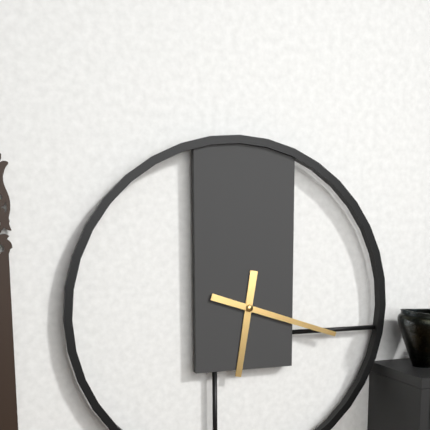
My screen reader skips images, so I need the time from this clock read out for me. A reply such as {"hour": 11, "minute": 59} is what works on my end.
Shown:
{"hour": 6, "minute": 18}
